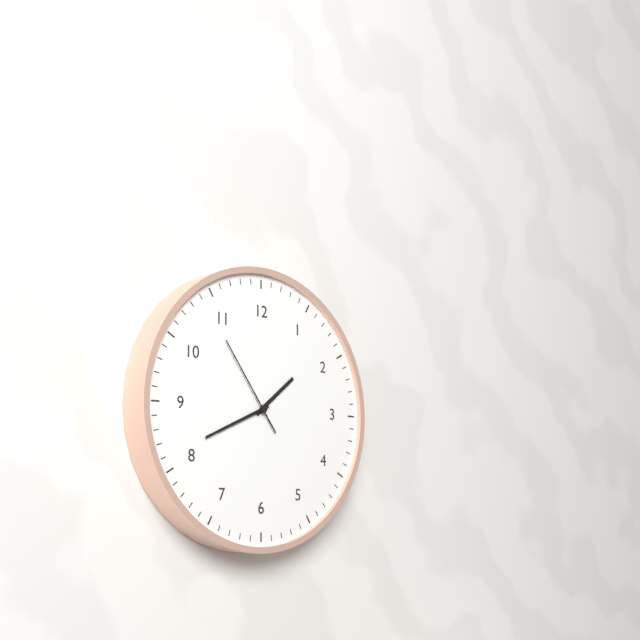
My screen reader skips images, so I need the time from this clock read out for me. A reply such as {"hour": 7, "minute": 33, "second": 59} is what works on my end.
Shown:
{"hour": 1, "minute": 41, "second": 54}
